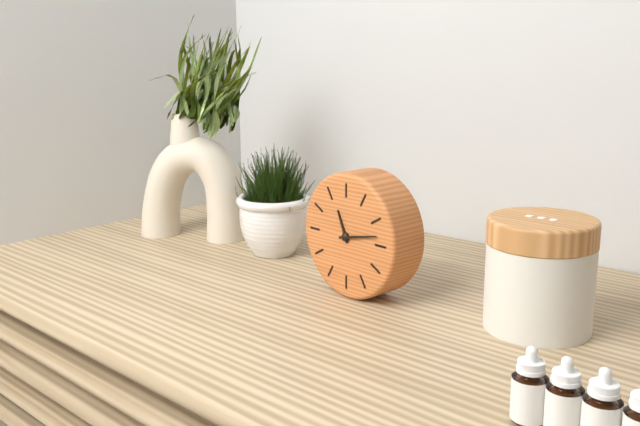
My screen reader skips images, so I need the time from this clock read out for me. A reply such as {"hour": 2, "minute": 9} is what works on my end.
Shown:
{"hour": 11, "minute": 13}
